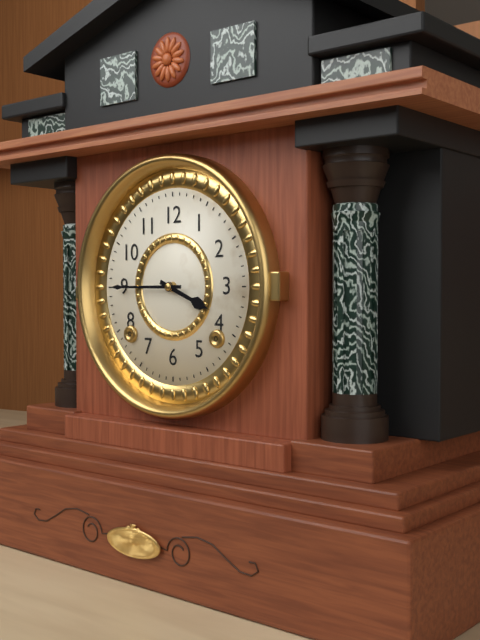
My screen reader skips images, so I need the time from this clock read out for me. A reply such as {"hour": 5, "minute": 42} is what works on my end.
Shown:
{"hour": 3, "minute": 45}
